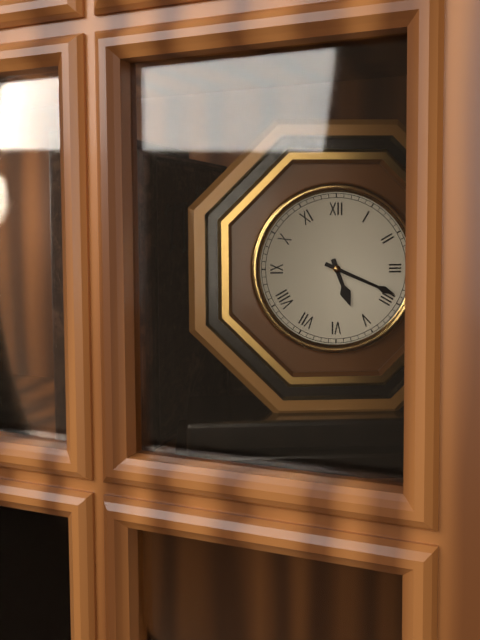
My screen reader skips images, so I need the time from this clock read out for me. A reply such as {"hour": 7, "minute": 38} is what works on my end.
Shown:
{"hour": 5, "minute": 19}
